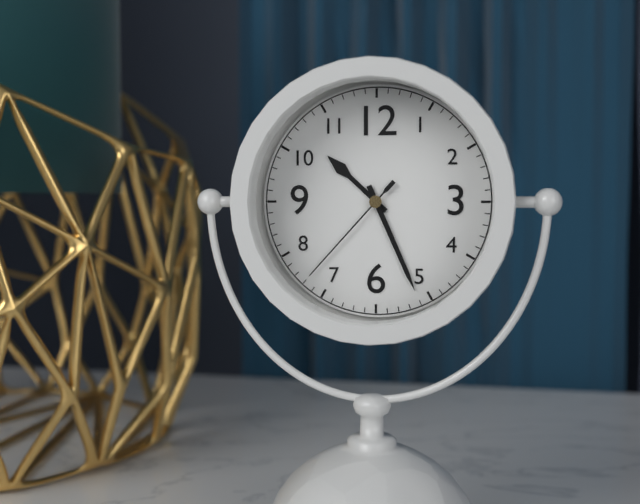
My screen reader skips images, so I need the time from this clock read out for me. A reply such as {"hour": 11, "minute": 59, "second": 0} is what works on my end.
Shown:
{"hour": 10, "minute": 26, "second": 37}
